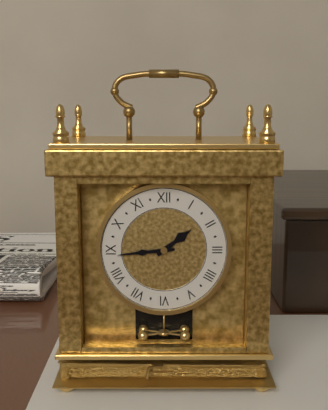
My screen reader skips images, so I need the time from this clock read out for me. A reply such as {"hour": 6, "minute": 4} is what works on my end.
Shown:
{"hour": 1, "minute": 44}
